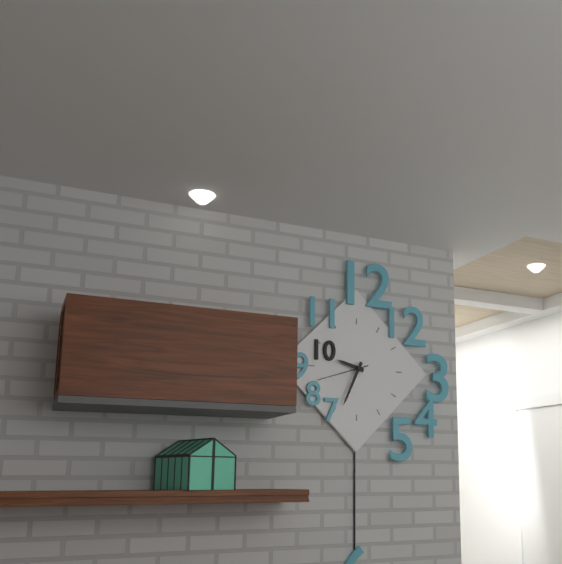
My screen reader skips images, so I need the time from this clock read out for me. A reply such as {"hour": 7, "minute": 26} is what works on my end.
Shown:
{"hour": 9, "minute": 34}
